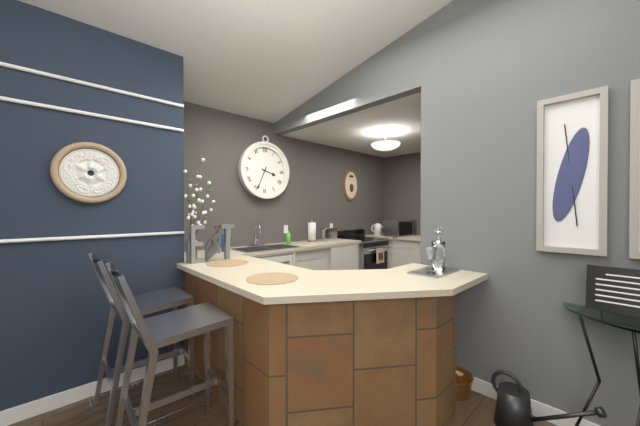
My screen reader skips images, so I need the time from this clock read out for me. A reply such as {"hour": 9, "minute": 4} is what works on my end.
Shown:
{"hour": 3, "minute": 34}
